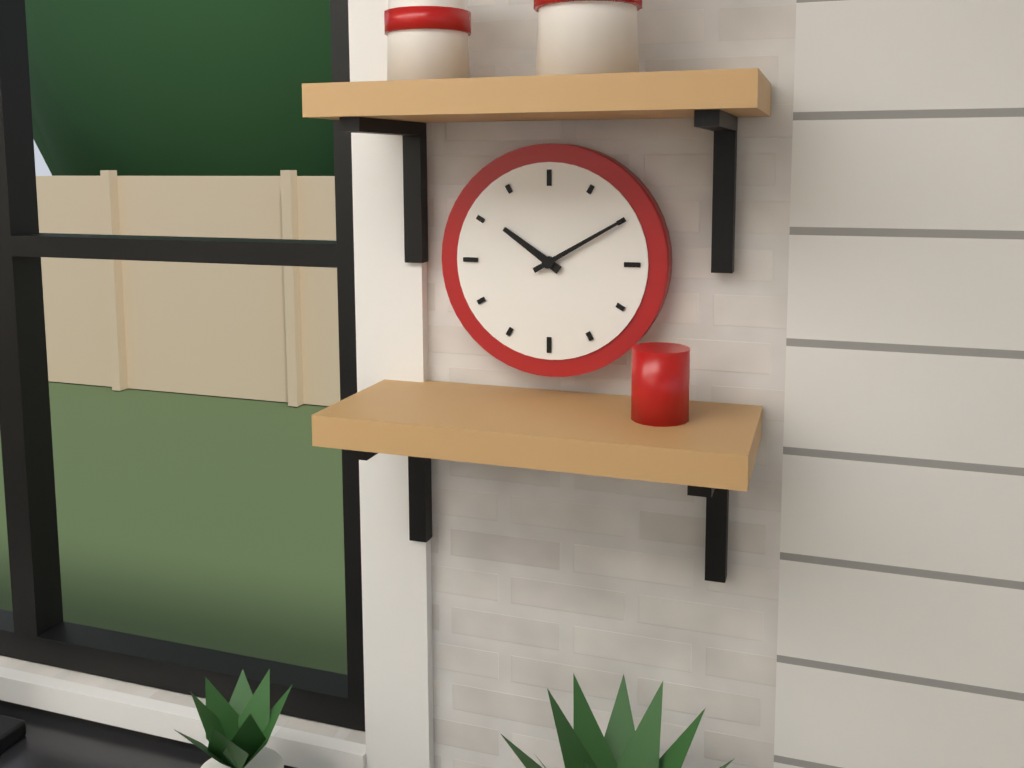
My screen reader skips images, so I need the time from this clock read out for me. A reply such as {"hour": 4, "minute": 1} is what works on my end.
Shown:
{"hour": 10, "minute": 10}
